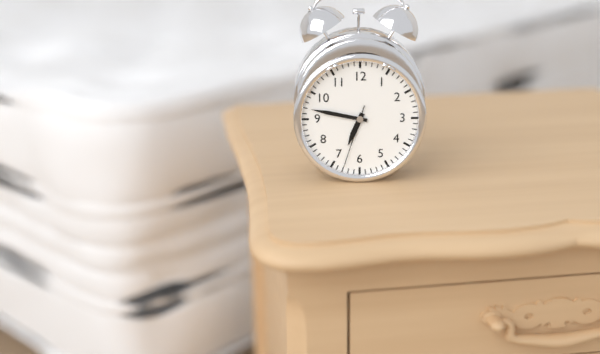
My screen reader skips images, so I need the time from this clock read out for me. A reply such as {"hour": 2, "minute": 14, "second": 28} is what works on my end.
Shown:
{"hour": 6, "minute": 47, "second": 33}
